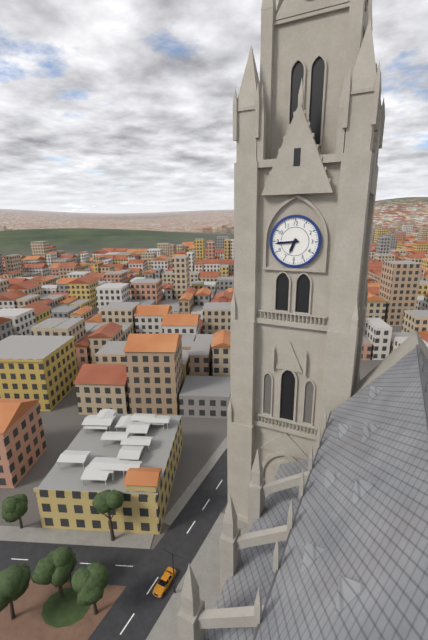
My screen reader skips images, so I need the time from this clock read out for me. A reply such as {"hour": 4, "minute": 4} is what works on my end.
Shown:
{"hour": 6, "minute": 44}
